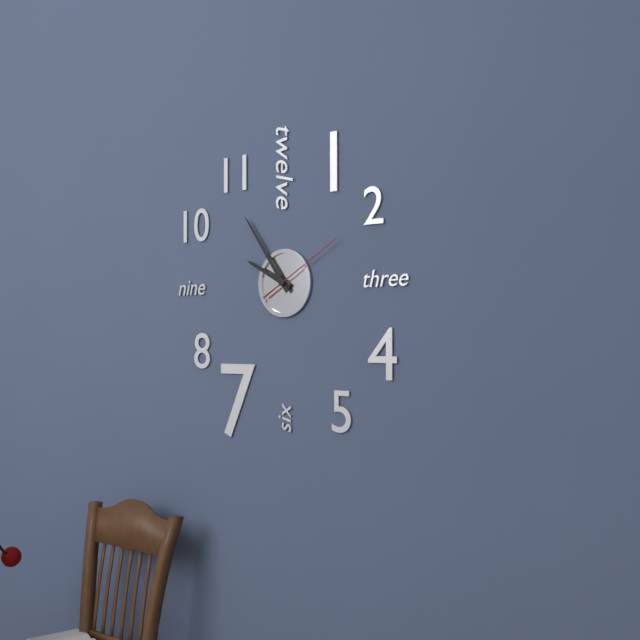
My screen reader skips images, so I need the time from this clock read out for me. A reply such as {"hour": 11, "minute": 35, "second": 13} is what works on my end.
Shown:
{"hour": 9, "minute": 54, "second": 10}
